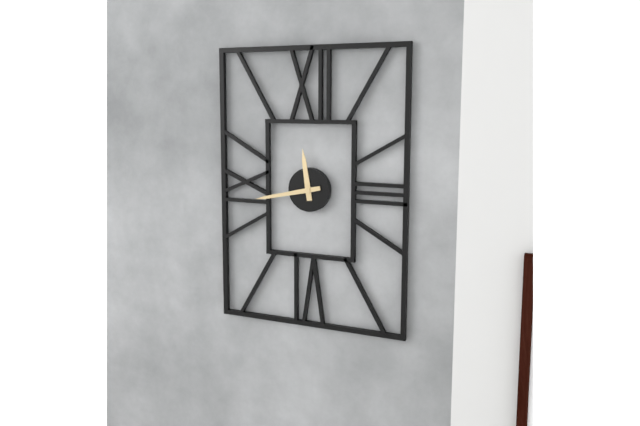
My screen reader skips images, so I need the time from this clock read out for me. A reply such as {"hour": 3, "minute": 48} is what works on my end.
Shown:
{"hour": 11, "minute": 43}
